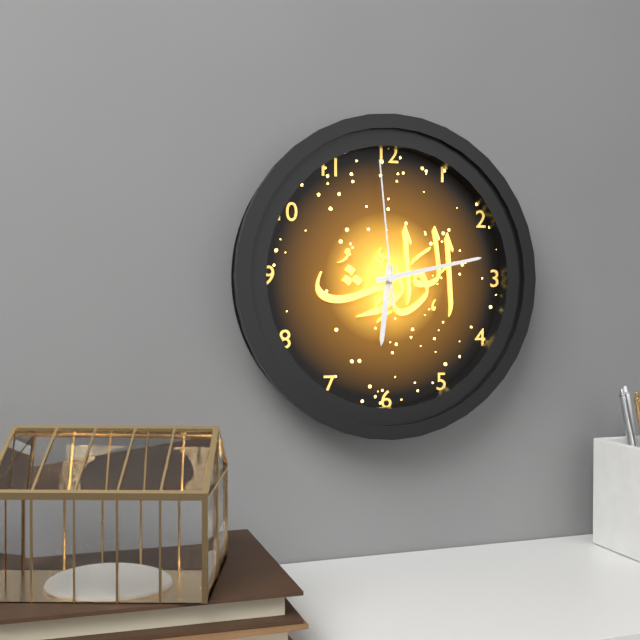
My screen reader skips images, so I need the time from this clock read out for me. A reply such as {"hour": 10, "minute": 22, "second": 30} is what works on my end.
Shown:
{"hour": 6, "minute": 13, "second": 59}
